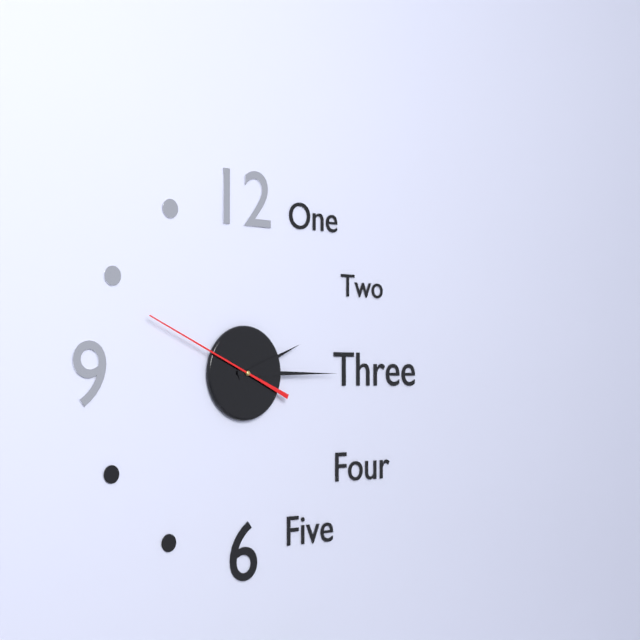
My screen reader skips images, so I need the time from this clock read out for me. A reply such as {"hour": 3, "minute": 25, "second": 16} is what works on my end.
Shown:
{"hour": 2, "minute": 15, "second": 49}
